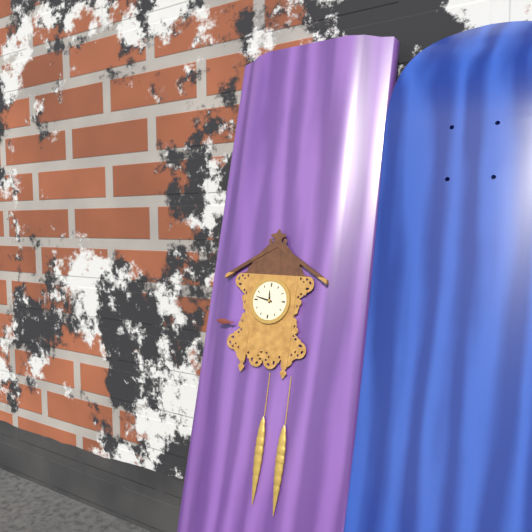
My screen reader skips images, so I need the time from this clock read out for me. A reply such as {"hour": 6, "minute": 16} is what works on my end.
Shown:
{"hour": 11, "minute": 47}
